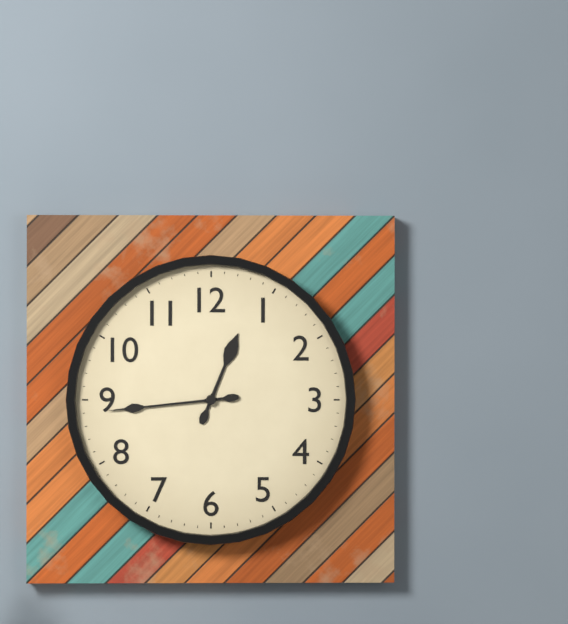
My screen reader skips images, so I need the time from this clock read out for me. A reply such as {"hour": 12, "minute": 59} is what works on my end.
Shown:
{"hour": 12, "minute": 44}
